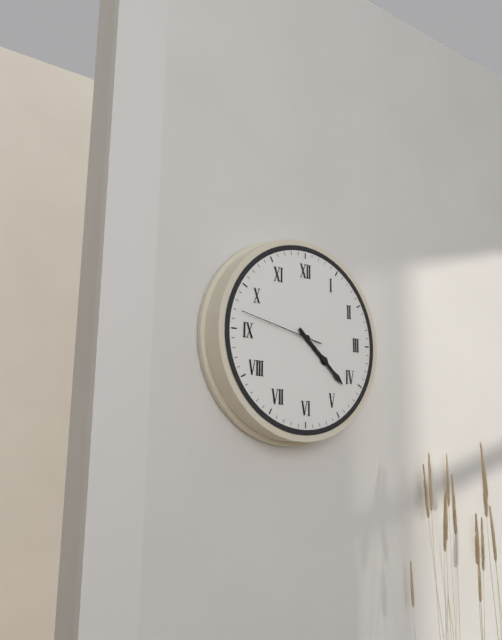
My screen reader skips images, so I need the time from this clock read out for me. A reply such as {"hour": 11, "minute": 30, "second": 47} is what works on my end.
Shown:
{"hour": 4, "minute": 22, "second": 47}
